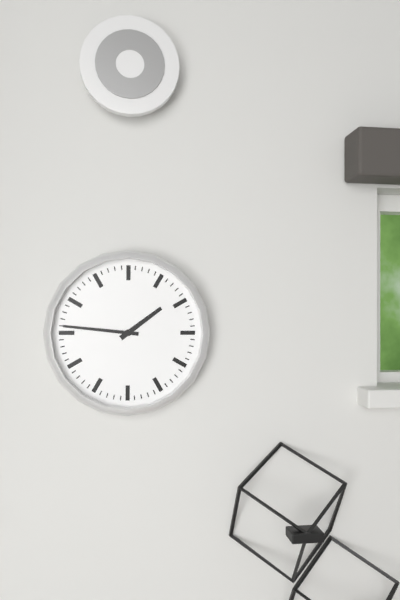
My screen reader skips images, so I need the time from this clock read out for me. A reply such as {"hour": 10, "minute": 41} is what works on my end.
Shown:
{"hour": 1, "minute": 46}
